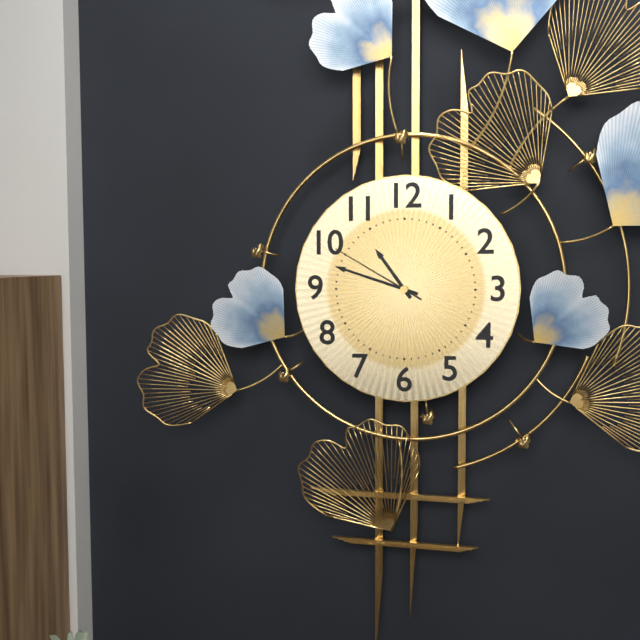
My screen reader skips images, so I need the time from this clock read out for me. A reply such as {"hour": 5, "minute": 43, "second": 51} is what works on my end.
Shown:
{"hour": 10, "minute": 48, "second": 50}
